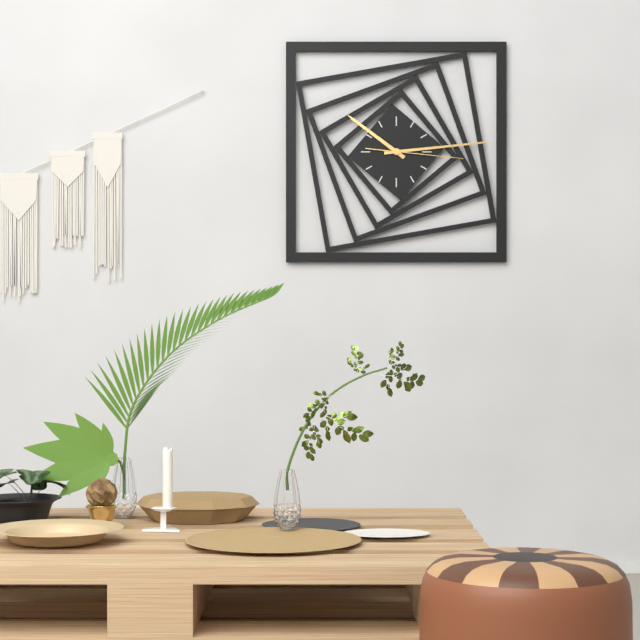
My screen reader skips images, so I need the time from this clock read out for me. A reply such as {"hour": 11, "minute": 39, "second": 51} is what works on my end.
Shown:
{"hour": 10, "minute": 14, "second": 16}
